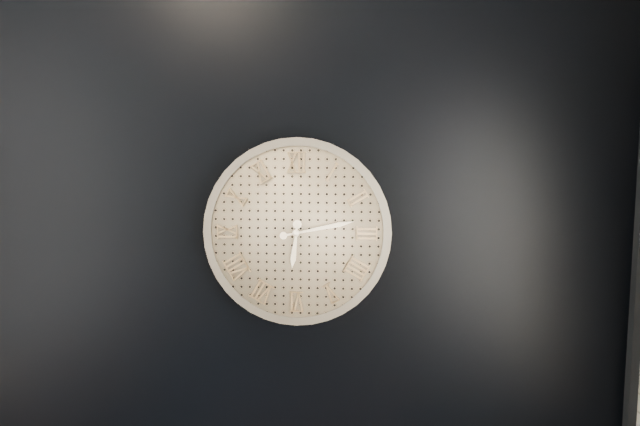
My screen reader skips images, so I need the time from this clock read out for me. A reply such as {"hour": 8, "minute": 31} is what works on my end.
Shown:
{"hour": 6, "minute": 13}
